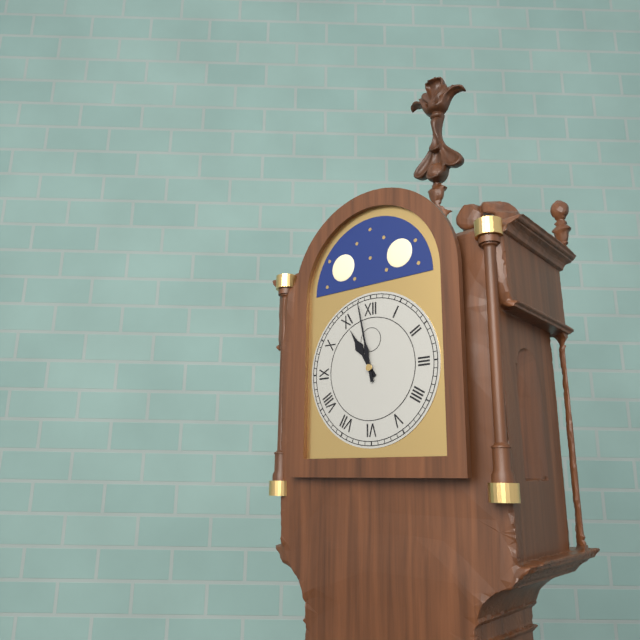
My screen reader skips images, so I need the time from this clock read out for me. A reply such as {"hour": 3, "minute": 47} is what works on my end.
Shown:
{"hour": 10, "minute": 58}
